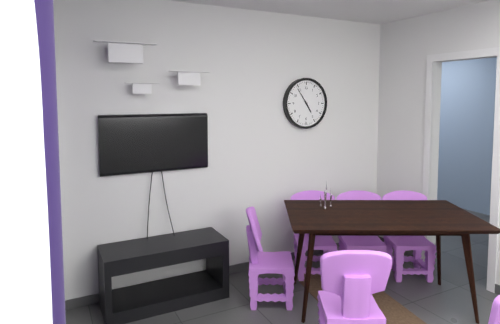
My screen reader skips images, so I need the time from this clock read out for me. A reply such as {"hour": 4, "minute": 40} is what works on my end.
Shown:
{"hour": 4, "minute": 54}
